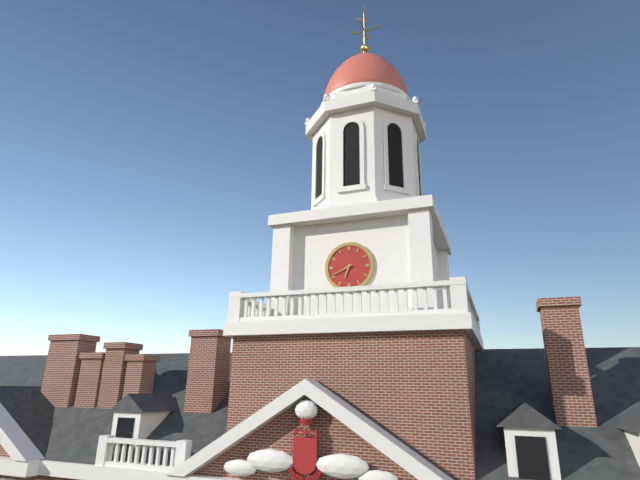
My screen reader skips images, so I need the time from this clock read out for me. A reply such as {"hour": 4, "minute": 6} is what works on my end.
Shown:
{"hour": 6, "minute": 41}
